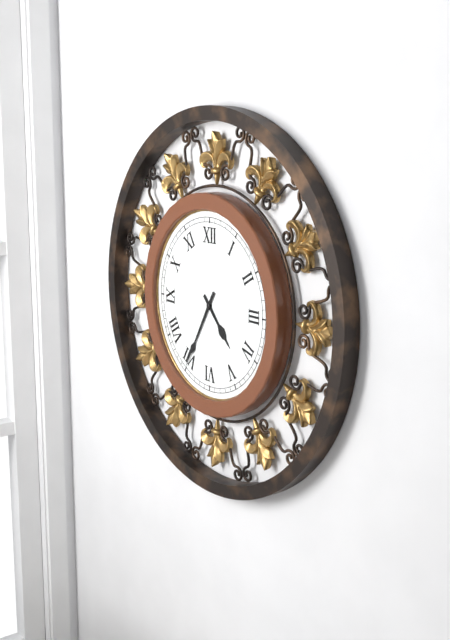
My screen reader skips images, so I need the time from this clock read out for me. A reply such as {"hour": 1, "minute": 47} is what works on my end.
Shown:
{"hour": 4, "minute": 35}
